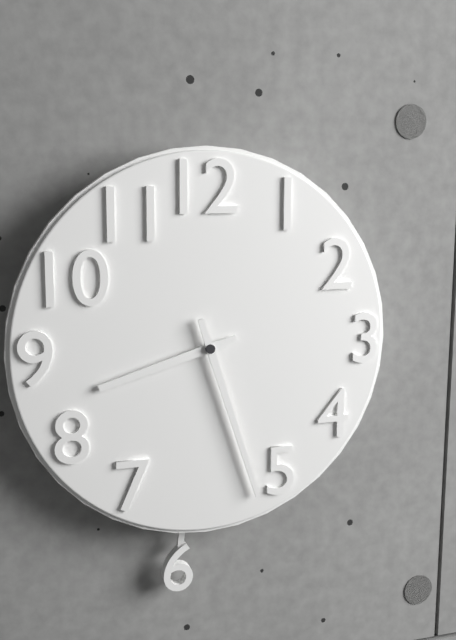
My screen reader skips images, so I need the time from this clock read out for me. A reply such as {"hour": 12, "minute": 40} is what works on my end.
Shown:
{"hour": 8, "minute": 27}
